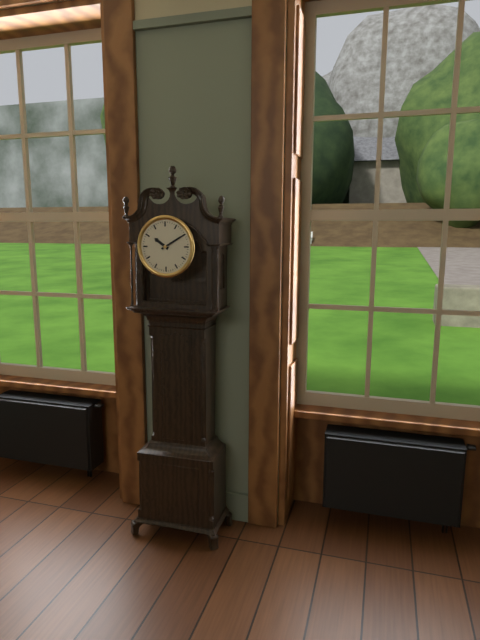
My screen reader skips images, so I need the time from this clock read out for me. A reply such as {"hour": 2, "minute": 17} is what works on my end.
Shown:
{"hour": 10, "minute": 10}
